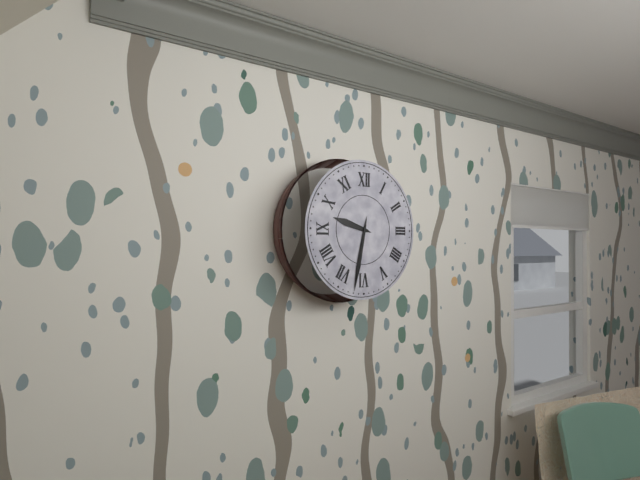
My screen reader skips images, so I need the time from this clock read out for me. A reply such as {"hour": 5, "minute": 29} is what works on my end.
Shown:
{"hour": 9, "minute": 32}
